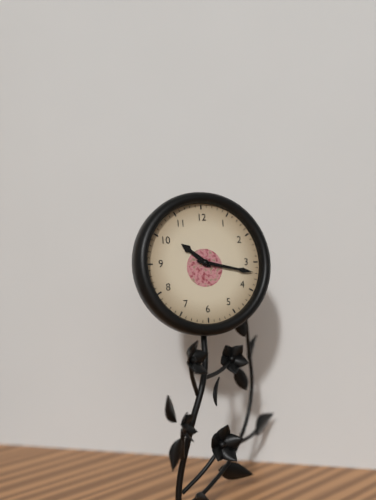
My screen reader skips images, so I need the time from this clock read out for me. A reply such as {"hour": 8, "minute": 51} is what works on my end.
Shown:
{"hour": 10, "minute": 17}
